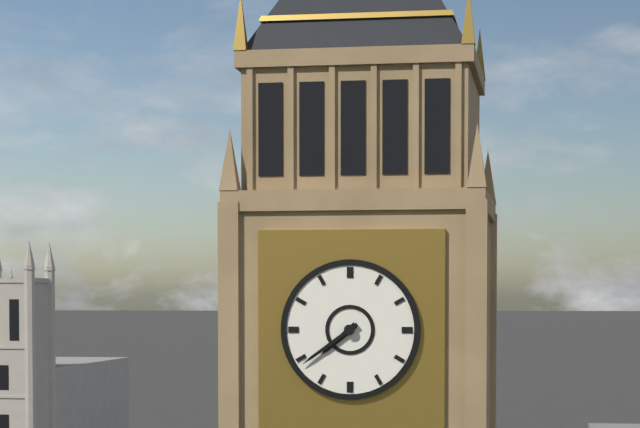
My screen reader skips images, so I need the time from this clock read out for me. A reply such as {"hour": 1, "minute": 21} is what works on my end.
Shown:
{"hour": 7, "minute": 39}
